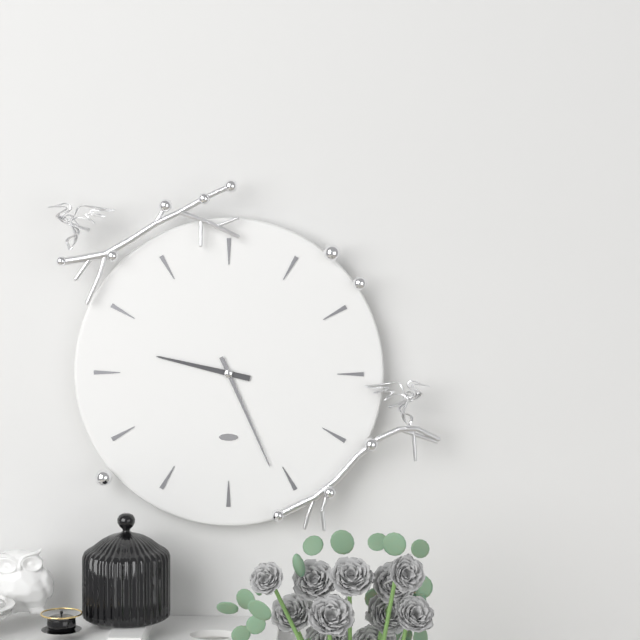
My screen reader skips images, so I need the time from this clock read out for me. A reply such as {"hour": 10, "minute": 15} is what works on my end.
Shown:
{"hour": 9, "minute": 26}
